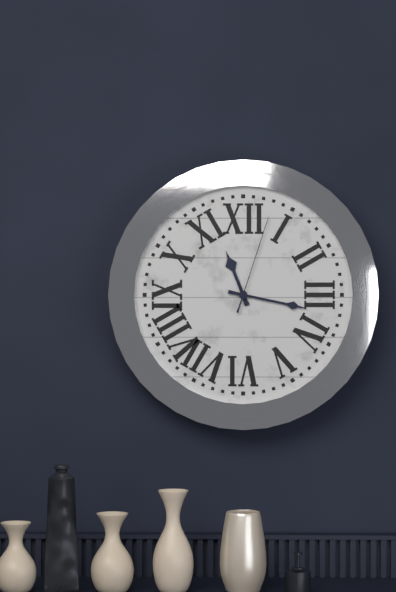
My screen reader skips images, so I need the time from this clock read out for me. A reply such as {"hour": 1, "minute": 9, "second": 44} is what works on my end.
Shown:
{"hour": 11, "minute": 17, "second": 3}
